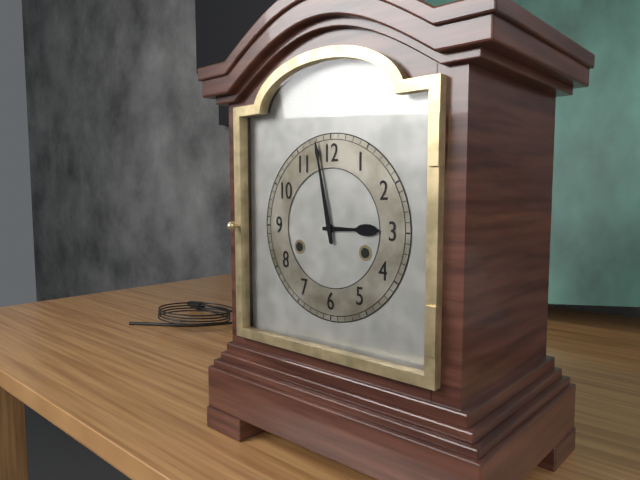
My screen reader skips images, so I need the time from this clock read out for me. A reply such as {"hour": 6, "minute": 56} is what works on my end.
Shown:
{"hour": 2, "minute": 58}
